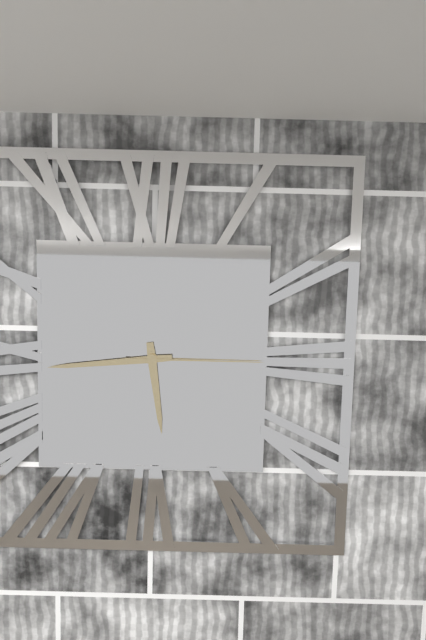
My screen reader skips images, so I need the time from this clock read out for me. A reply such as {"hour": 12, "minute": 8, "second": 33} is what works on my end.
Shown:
{"hour": 5, "minute": 44, "second": 15}
